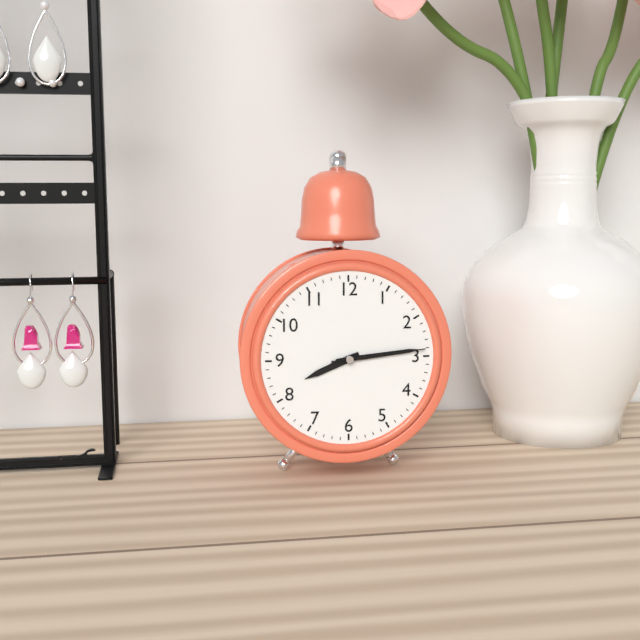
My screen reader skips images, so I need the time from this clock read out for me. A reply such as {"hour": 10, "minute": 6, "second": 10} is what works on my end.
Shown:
{"hour": 8, "minute": 14, "second": 14}
